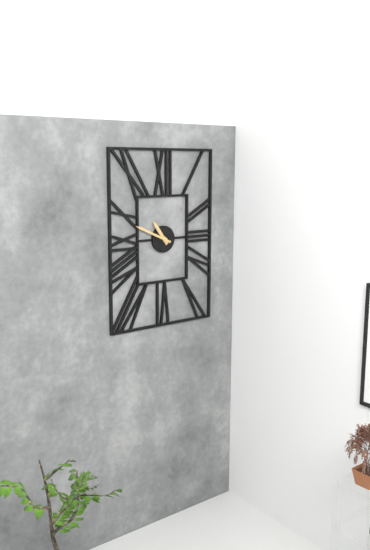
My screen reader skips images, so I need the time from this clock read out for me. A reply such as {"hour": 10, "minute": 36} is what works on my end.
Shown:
{"hour": 10, "minute": 49}
